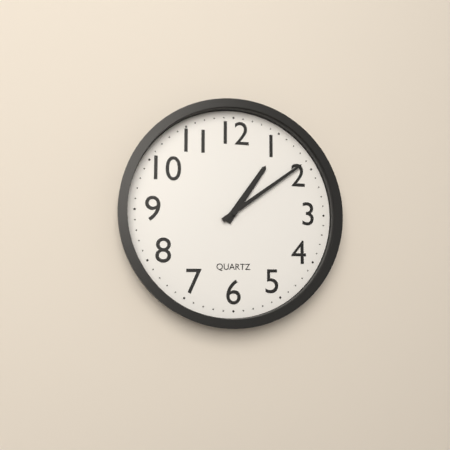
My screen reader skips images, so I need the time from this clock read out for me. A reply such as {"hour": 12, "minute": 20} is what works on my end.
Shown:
{"hour": 1, "minute": 9}
